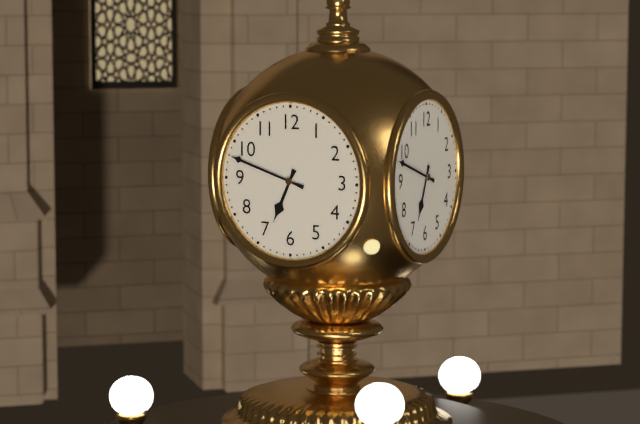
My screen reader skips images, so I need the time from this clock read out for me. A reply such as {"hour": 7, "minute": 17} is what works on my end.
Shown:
{"hour": 6, "minute": 48}
